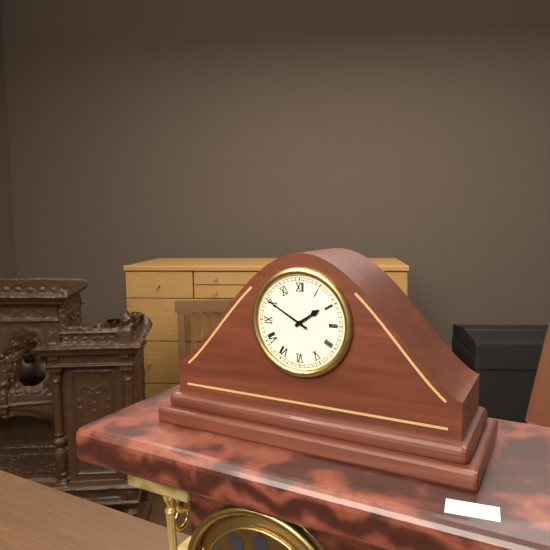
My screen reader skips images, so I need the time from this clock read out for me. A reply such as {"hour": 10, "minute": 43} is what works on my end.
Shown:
{"hour": 1, "minute": 50}
